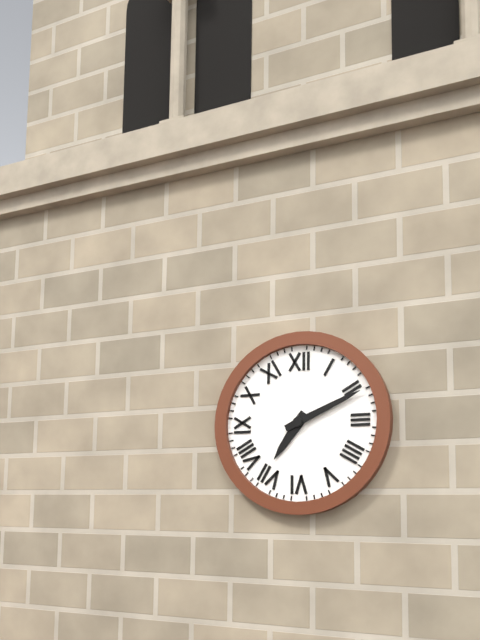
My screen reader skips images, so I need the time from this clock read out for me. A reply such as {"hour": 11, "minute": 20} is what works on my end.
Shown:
{"hour": 7, "minute": 11}
